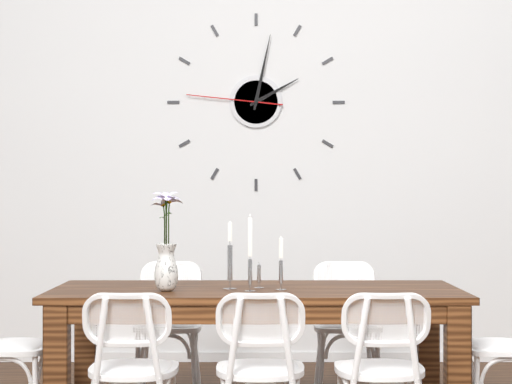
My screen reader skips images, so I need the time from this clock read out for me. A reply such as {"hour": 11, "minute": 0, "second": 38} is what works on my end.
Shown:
{"hour": 2, "minute": 2, "second": 46}
